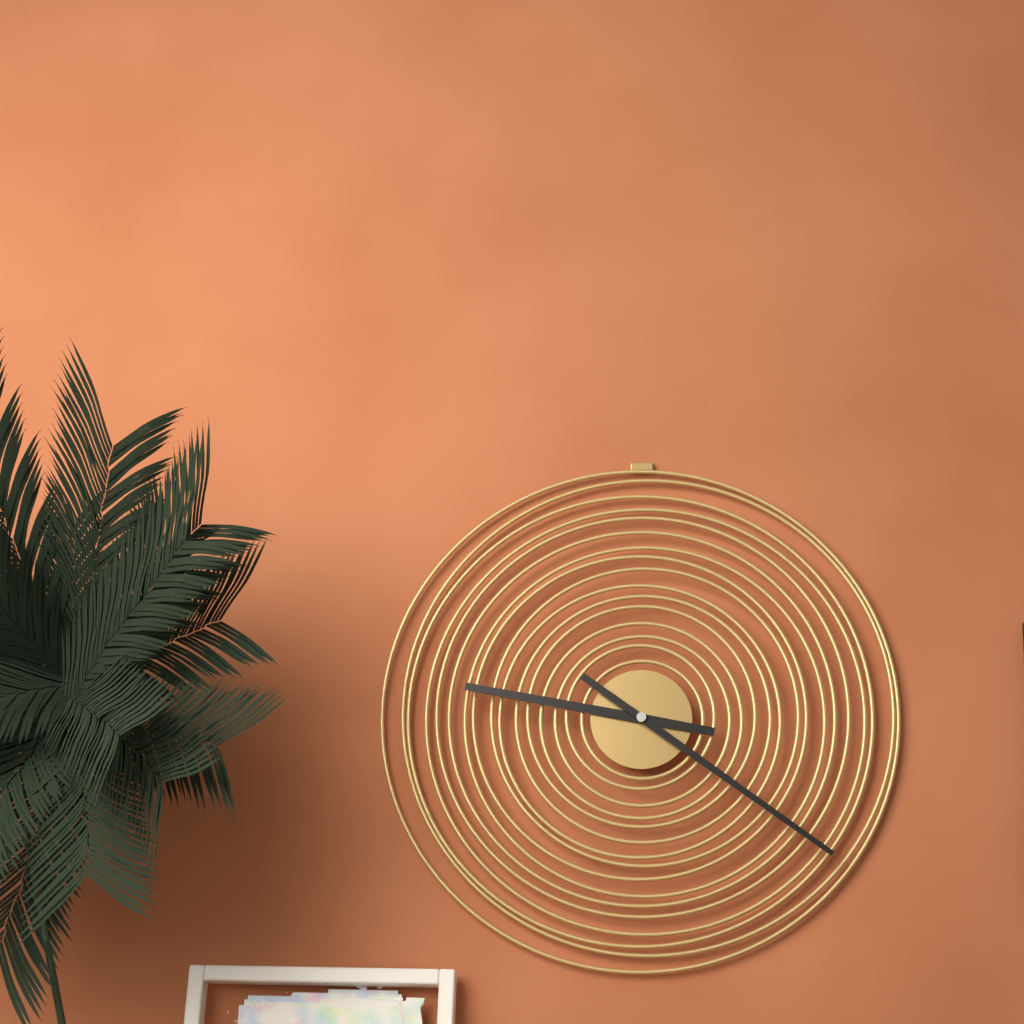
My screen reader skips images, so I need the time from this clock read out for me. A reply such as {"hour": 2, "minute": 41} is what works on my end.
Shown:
{"hour": 9, "minute": 21}
